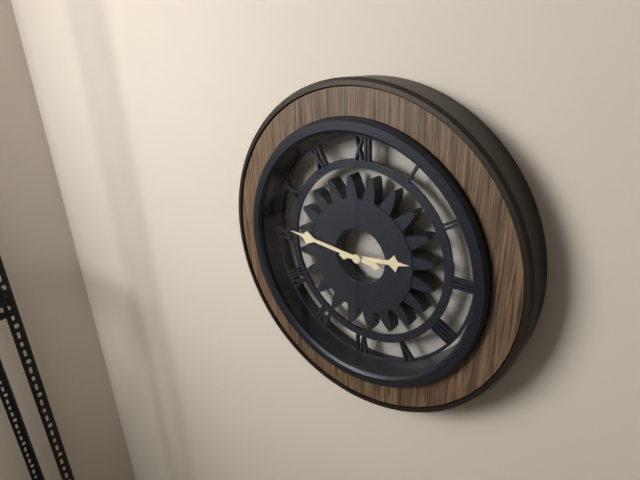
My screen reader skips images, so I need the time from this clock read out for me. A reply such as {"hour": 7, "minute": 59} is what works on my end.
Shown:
{"hour": 2, "minute": 46}
